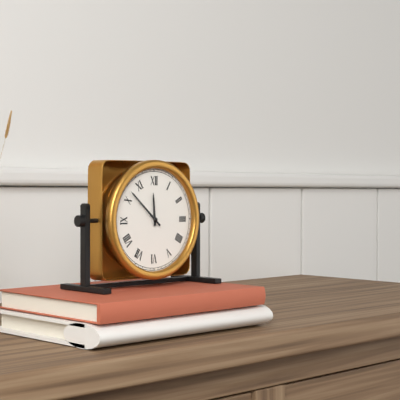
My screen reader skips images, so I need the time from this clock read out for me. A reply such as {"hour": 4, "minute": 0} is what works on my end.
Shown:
{"hour": 11, "minute": 52}
